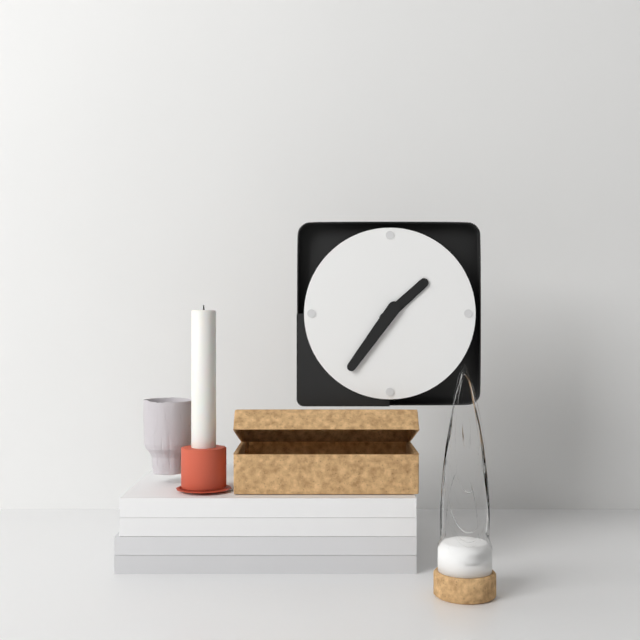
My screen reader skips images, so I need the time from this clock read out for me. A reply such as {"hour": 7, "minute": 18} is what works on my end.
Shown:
{"hour": 1, "minute": 36}
